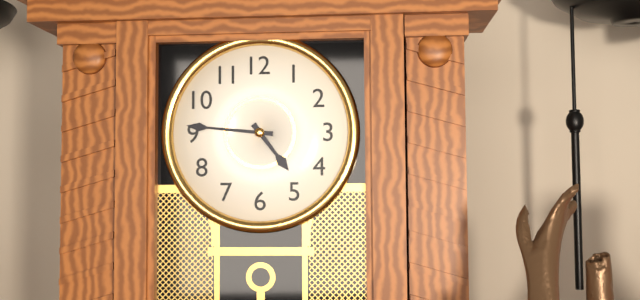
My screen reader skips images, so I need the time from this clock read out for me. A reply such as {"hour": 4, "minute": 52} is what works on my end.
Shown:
{"hour": 4, "minute": 46}
